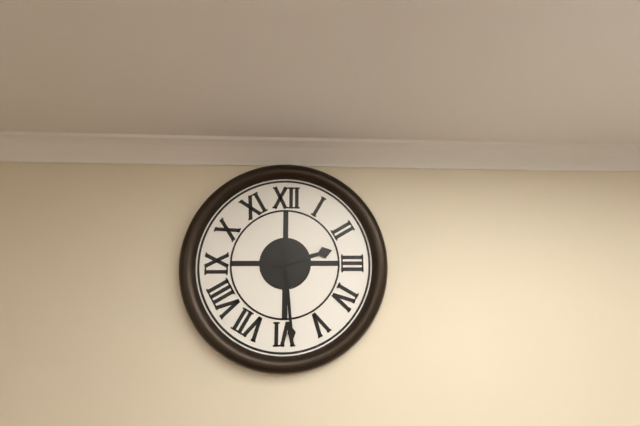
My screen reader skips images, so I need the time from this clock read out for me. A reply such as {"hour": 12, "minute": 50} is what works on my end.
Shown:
{"hour": 2, "minute": 29}
